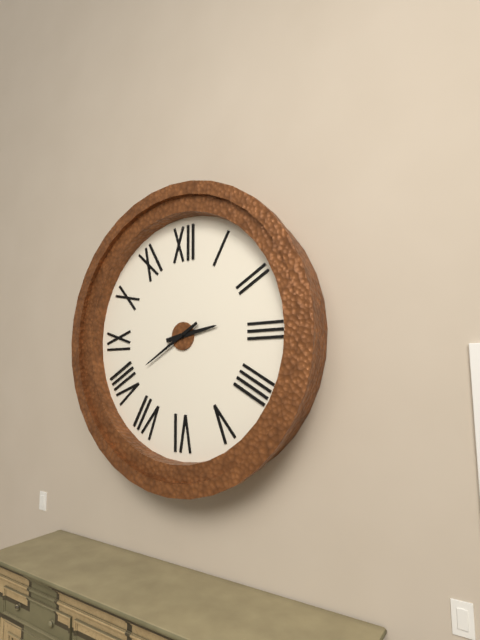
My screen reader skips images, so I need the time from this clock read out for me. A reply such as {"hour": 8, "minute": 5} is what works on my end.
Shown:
{"hour": 2, "minute": 40}
